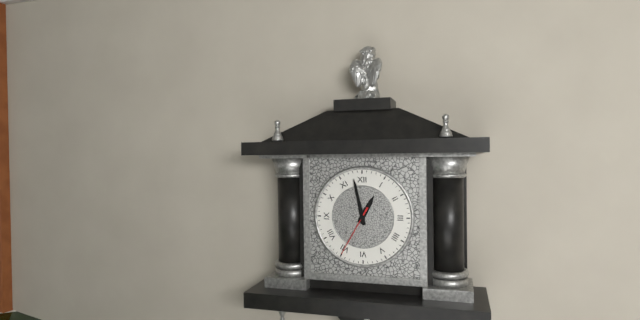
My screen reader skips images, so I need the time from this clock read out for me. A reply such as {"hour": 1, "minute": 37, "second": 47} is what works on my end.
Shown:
{"hour": 12, "minute": 58, "second": 35}
